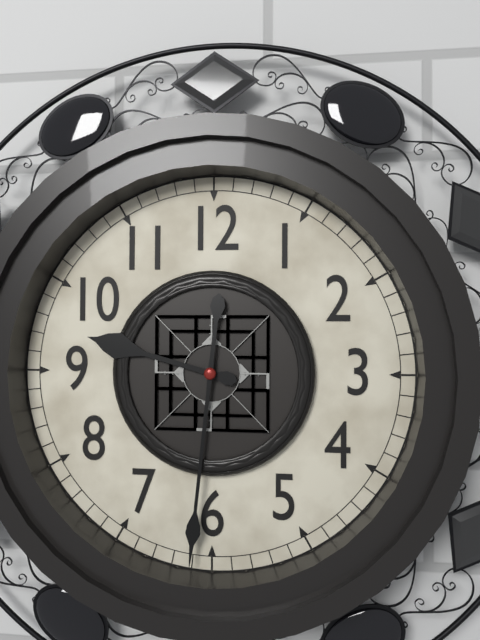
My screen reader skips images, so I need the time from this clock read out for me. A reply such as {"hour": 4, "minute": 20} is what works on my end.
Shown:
{"hour": 9, "minute": 31}
